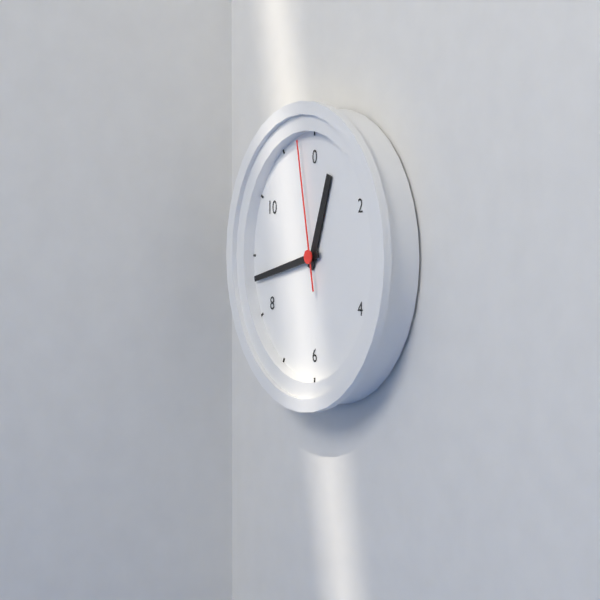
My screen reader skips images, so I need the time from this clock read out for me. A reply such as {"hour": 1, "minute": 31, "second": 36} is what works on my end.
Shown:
{"hour": 12, "minute": 43, "second": 58}
